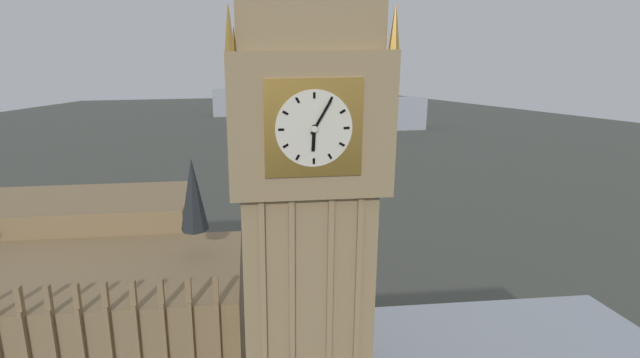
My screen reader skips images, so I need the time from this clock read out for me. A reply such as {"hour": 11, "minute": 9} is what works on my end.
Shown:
{"hour": 6, "minute": 5}
